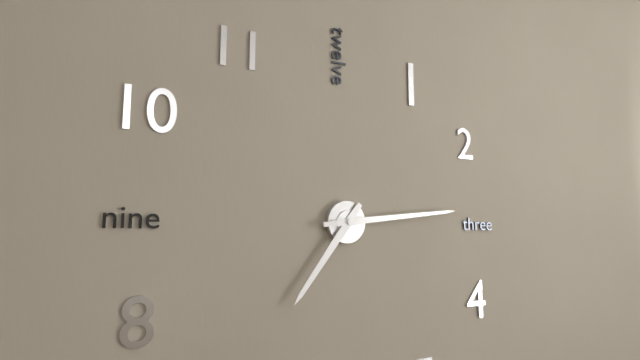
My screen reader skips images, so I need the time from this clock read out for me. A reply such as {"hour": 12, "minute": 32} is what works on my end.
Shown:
{"hour": 7, "minute": 14}
